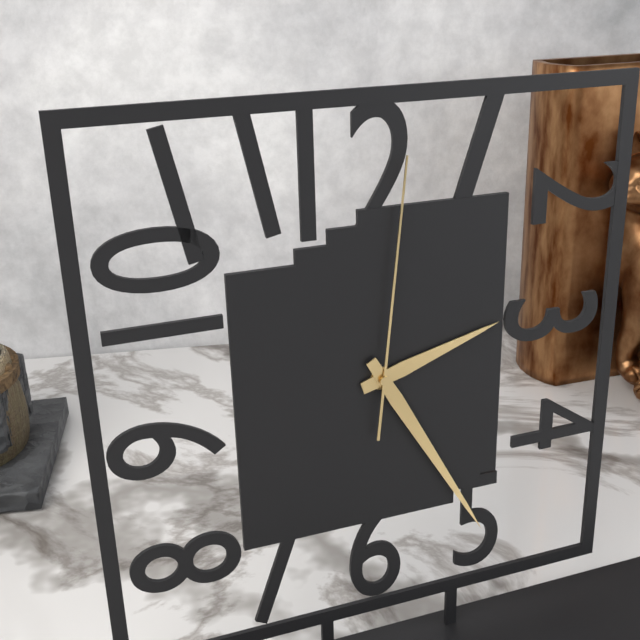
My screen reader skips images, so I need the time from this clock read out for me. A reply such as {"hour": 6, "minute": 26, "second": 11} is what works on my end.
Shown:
{"hour": 2, "minute": 25, "second": 1}
